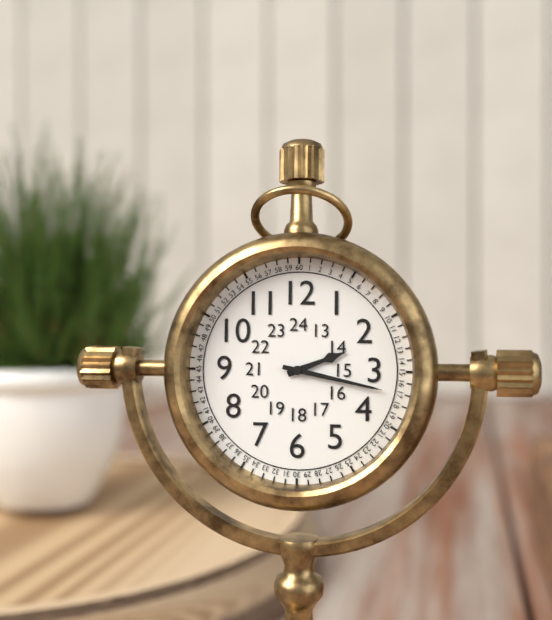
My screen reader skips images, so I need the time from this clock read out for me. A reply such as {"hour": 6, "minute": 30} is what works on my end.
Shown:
{"hour": 2, "minute": 17}
